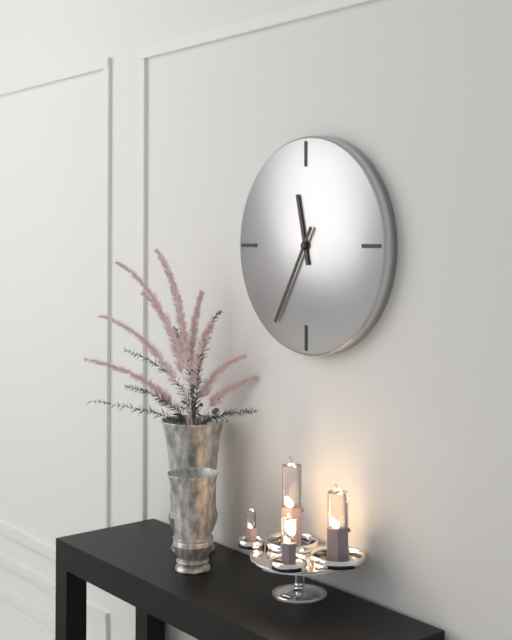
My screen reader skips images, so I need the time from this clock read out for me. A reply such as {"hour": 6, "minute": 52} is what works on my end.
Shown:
{"hour": 11, "minute": 35}
